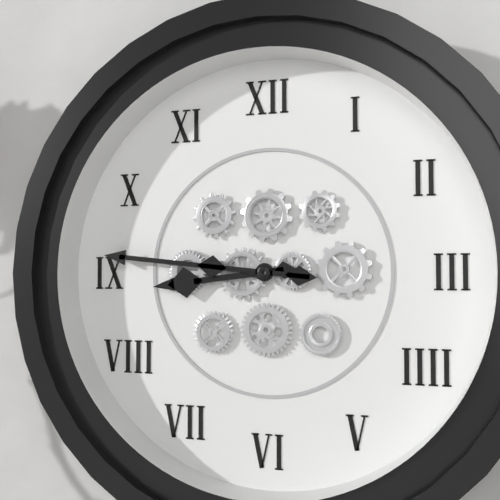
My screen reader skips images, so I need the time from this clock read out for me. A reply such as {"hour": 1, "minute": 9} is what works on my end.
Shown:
{"hour": 8, "minute": 46}
